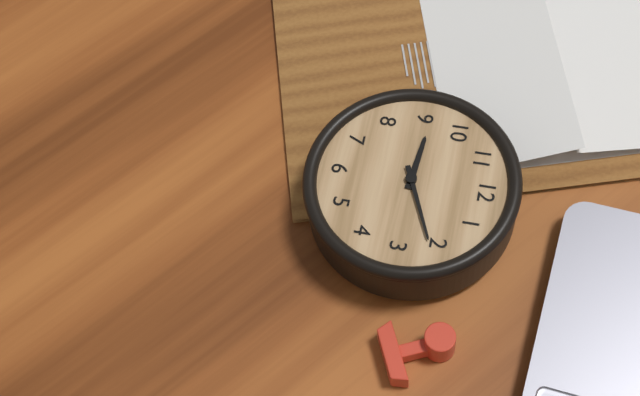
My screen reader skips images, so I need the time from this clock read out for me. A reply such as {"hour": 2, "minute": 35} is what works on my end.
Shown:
{"hour": 9, "minute": 11}
